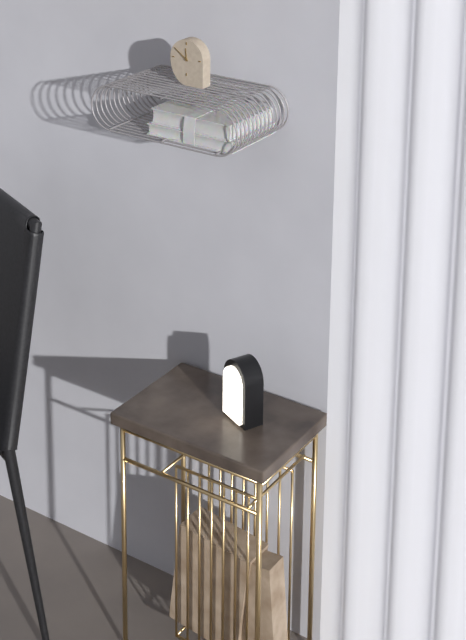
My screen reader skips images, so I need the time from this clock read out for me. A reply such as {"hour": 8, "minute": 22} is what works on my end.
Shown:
{"hour": 11, "minute": 51}
